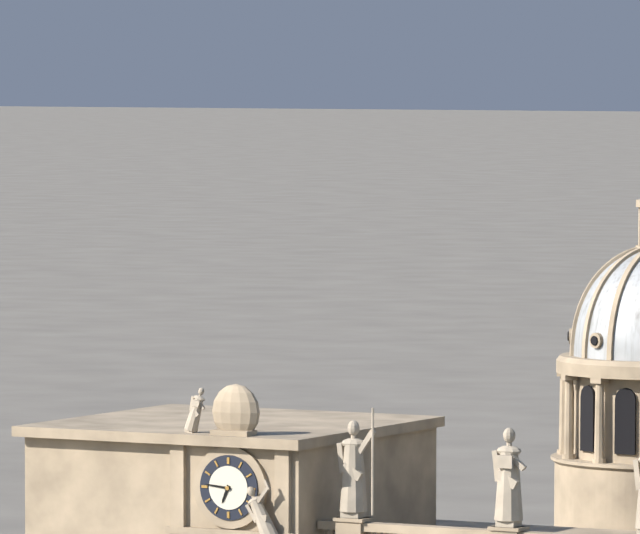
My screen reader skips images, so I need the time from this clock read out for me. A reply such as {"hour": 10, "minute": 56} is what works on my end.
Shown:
{"hour": 6, "minute": 46}
